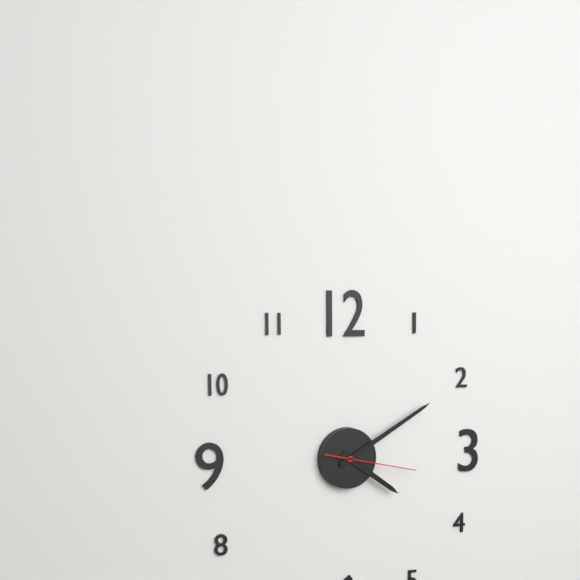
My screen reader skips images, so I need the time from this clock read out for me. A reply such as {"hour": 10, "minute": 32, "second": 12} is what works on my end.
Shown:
{"hour": 4, "minute": 10, "second": 17}
